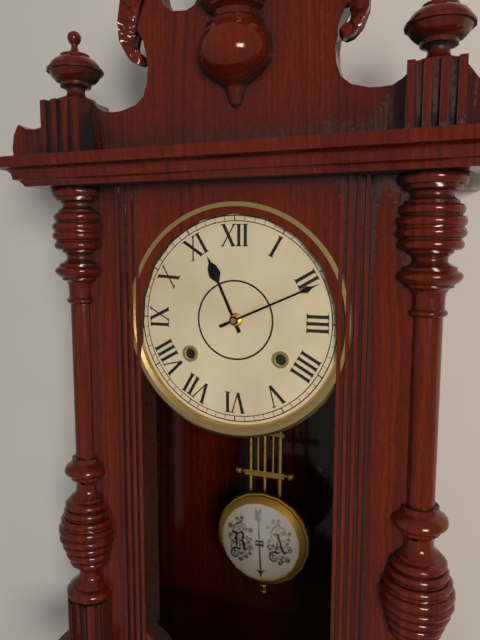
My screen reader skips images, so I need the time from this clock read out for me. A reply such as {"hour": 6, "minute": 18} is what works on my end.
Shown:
{"hour": 11, "minute": 11}
